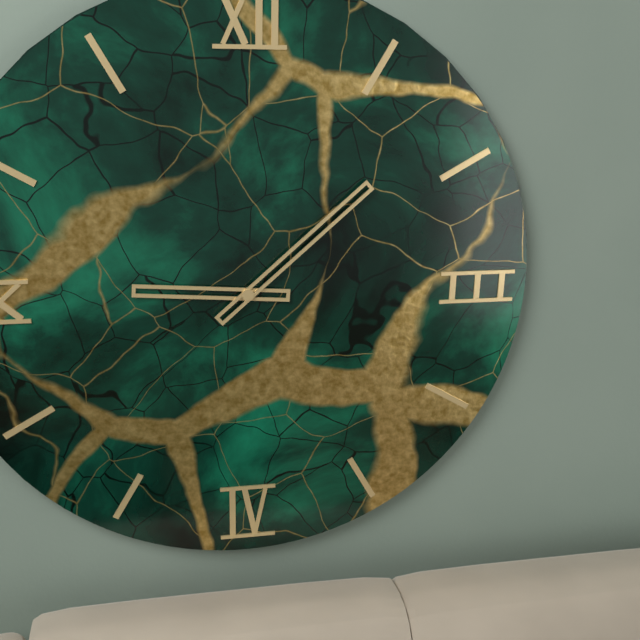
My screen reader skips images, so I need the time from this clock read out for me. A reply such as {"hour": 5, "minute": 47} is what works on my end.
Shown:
{"hour": 9, "minute": 8}
